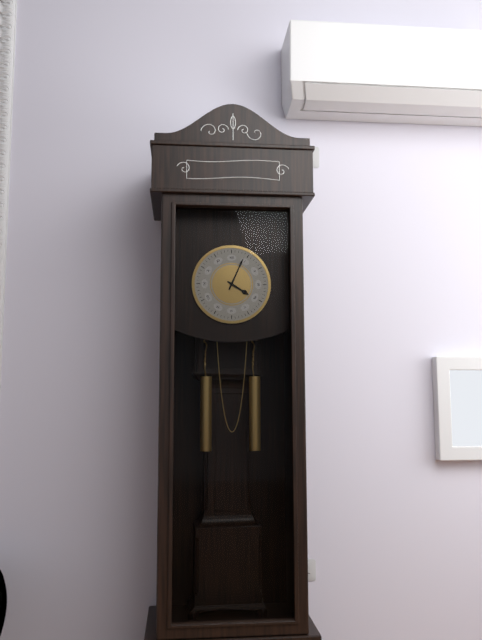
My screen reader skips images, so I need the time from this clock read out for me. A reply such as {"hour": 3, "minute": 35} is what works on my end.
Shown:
{"hour": 4, "minute": 4}
